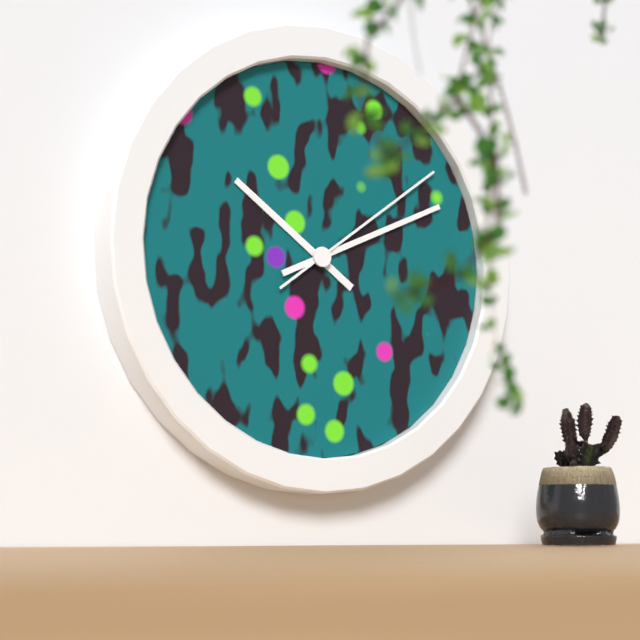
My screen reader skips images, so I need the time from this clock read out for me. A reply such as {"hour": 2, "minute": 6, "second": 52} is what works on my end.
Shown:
{"hour": 10, "minute": 11, "second": 9}
